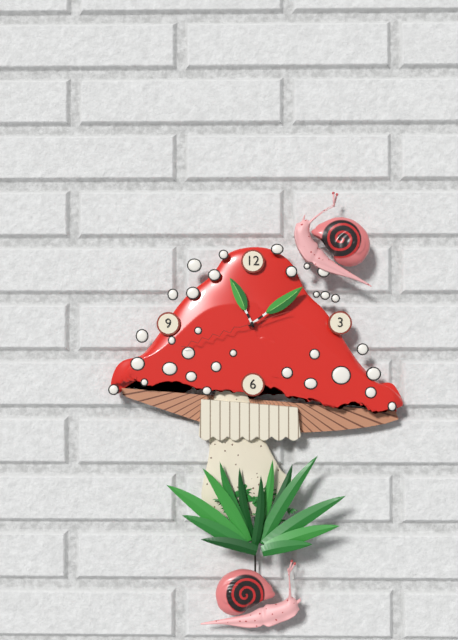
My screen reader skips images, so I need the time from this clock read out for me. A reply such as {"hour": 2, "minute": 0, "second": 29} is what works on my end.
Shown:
{"hour": 11, "minute": 9, "second": 42}
